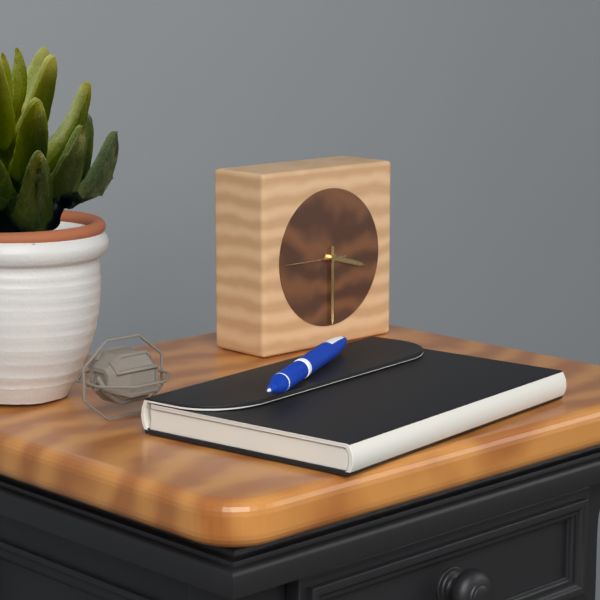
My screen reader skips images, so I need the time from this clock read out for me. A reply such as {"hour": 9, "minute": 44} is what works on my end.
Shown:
{"hour": 3, "minute": 30}
